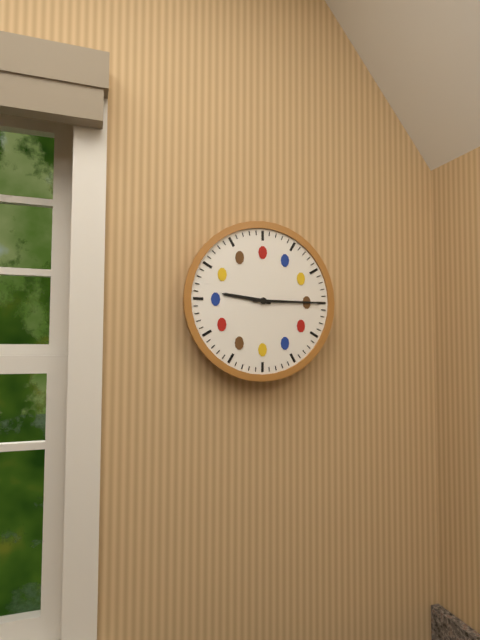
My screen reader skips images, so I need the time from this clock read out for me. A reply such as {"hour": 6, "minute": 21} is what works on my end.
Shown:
{"hour": 9, "minute": 15}
